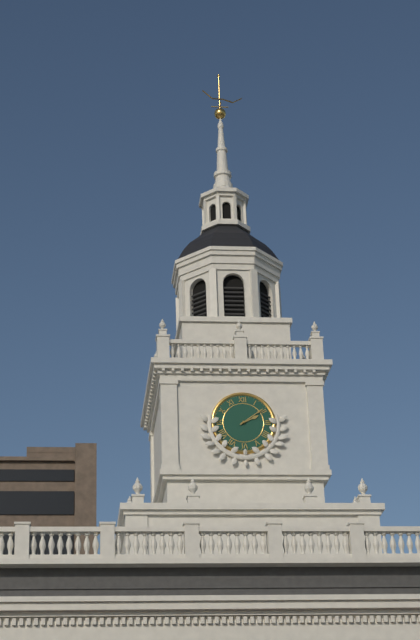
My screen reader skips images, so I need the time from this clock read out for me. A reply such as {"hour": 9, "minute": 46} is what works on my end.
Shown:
{"hour": 2, "minute": 9}
